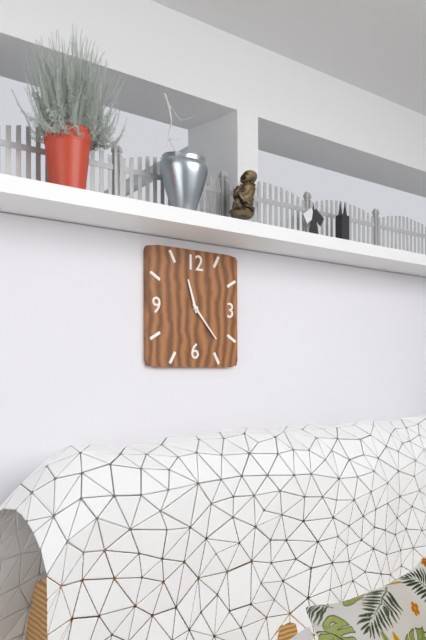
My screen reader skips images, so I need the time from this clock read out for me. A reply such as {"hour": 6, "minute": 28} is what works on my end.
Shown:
{"hour": 11, "minute": 23}
